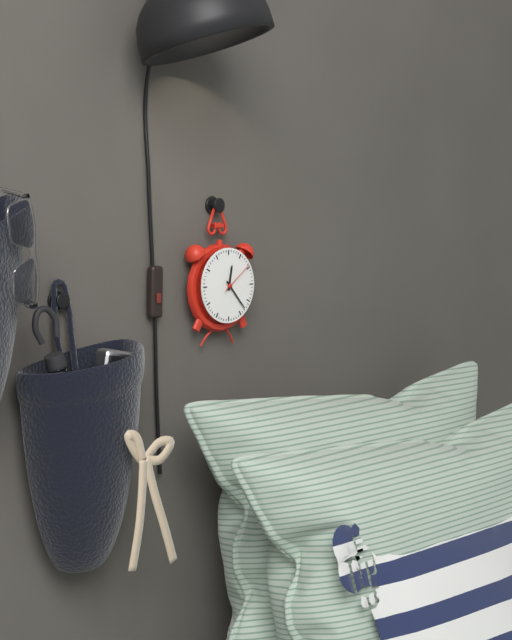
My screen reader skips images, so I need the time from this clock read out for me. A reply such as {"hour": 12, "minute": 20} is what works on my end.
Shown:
{"hour": 12, "minute": 23}
